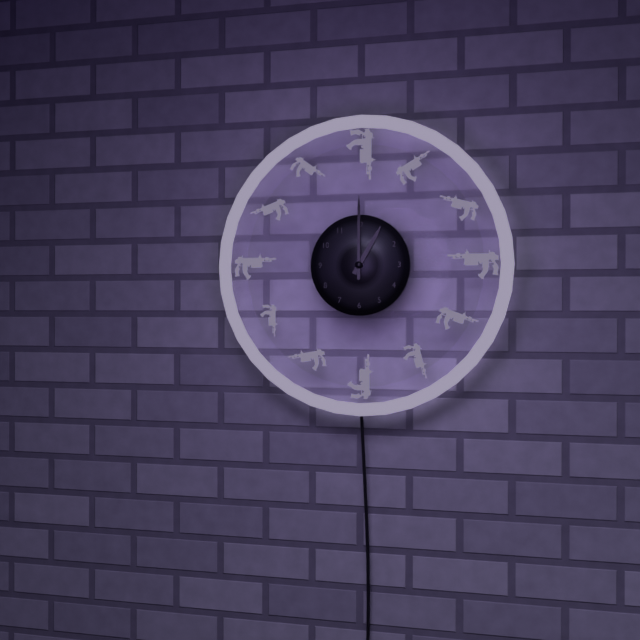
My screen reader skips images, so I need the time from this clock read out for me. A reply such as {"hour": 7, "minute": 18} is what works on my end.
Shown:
{"hour": 1, "minute": 0}
